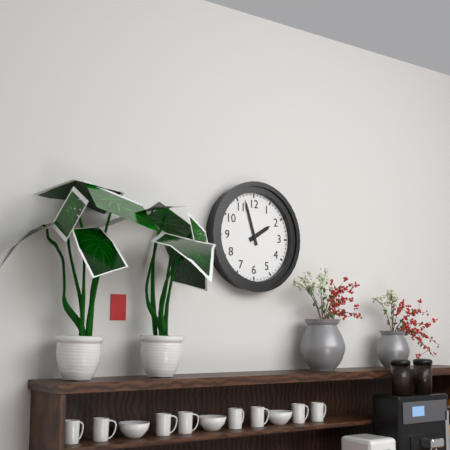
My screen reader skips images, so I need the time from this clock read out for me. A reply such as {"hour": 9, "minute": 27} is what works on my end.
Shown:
{"hour": 1, "minute": 57}
